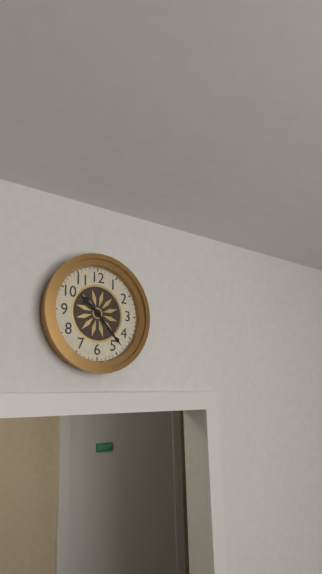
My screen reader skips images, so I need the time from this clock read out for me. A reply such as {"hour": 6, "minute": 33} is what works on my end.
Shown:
{"hour": 10, "minute": 23}
